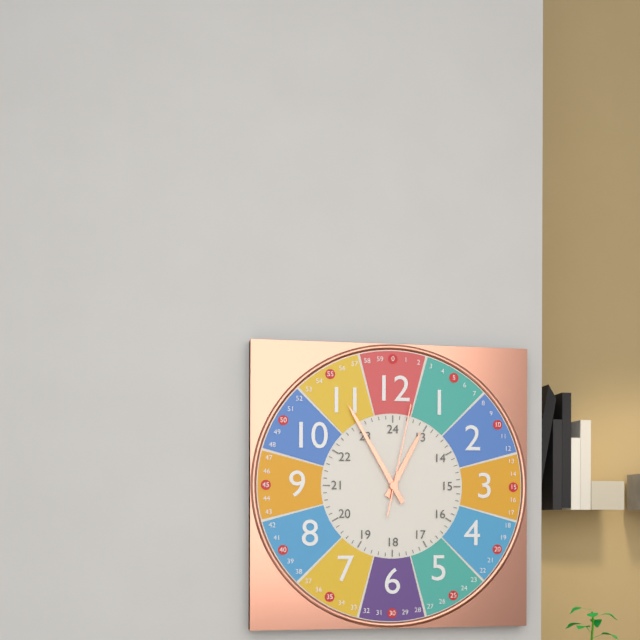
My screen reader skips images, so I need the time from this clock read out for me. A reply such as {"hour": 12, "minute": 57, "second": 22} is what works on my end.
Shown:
{"hour": 12, "minute": 55, "second": 2}
